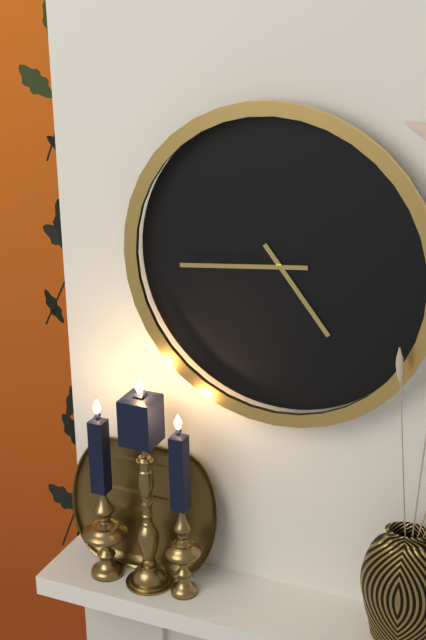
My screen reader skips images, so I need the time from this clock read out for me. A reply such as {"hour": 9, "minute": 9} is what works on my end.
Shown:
{"hour": 4, "minute": 44}
